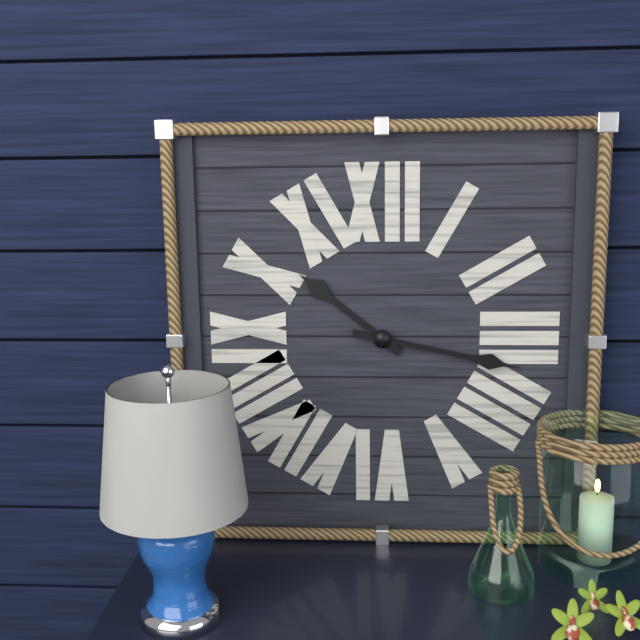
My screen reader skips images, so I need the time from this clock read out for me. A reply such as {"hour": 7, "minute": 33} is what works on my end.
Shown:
{"hour": 10, "minute": 17}
